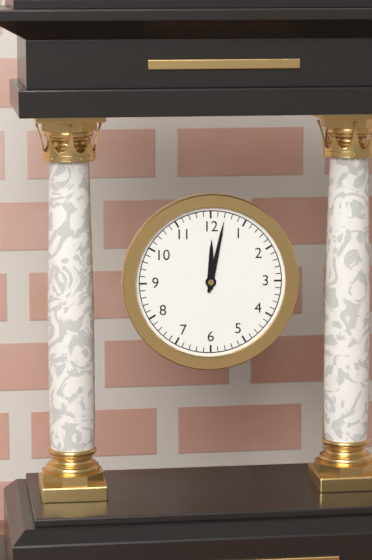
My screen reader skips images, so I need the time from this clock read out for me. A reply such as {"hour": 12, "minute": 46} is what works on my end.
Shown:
{"hour": 12, "minute": 2}
